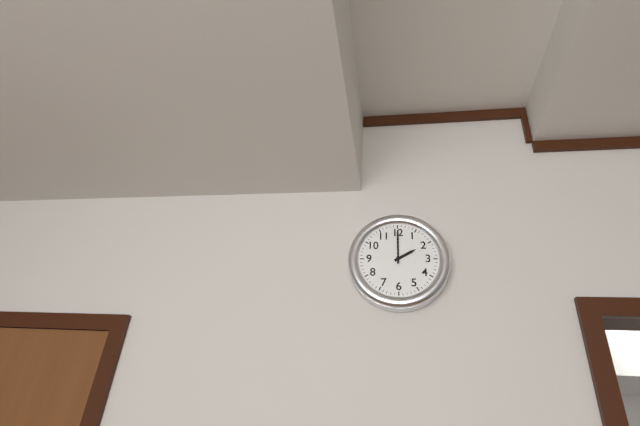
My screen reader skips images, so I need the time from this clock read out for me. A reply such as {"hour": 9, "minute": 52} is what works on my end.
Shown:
{"hour": 2, "minute": 0}
